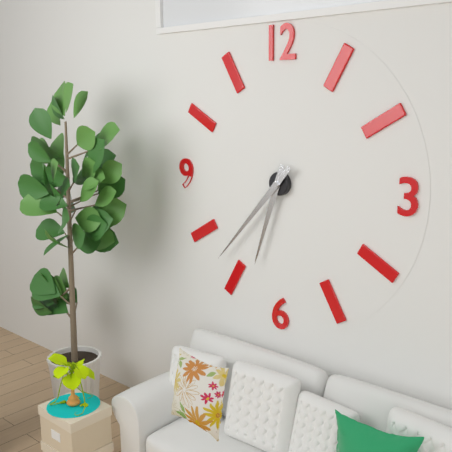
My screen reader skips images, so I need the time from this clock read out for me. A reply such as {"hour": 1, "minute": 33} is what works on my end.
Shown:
{"hour": 6, "minute": 37}
